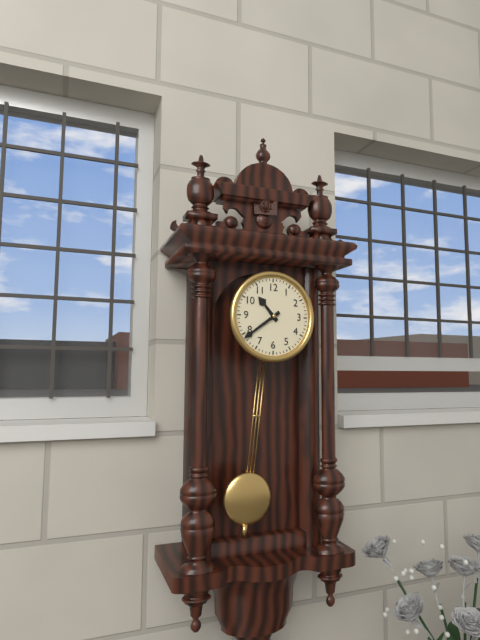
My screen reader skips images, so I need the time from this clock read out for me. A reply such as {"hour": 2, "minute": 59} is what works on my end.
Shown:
{"hour": 10, "minute": 39}
